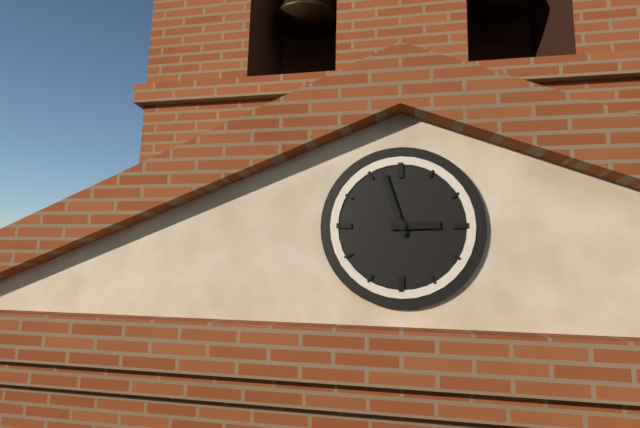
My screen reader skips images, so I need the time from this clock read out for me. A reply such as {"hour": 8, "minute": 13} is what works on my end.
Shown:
{"hour": 2, "minute": 57}
